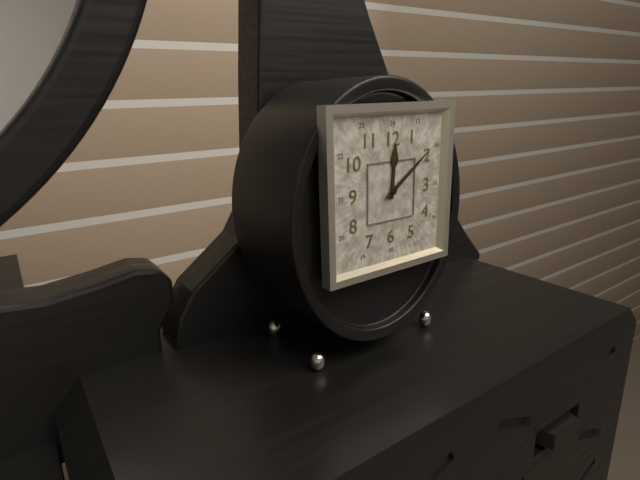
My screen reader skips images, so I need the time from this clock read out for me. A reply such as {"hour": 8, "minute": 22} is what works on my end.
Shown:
{"hour": 12, "minute": 9}
